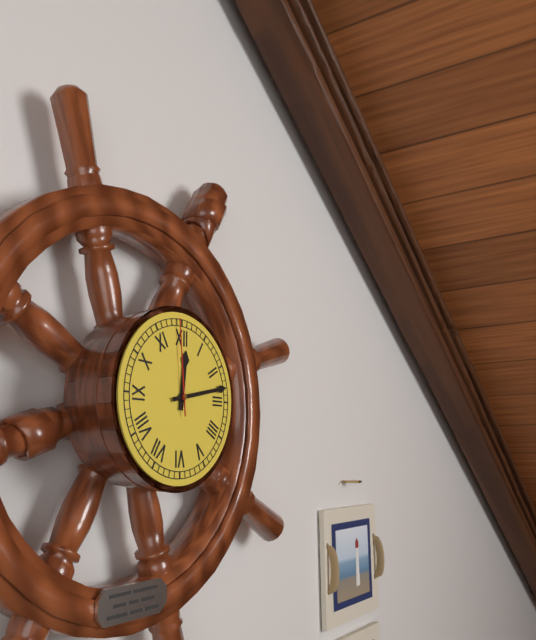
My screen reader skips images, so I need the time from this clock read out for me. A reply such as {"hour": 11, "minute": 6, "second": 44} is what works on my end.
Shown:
{"hour": 12, "minute": 13, "second": 59}
